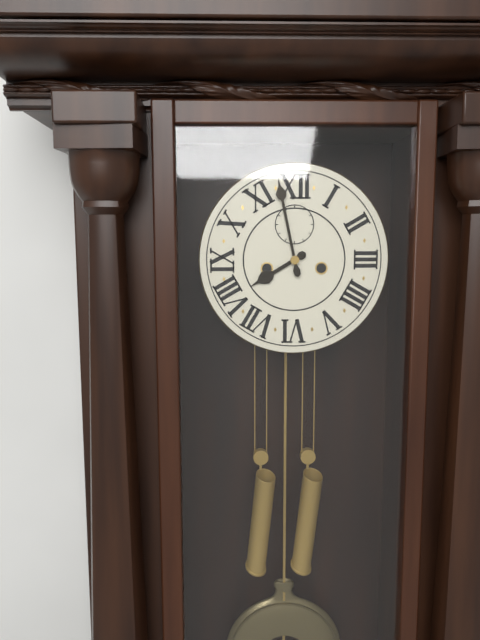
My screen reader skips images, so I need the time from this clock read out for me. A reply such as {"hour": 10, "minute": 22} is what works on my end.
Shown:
{"hour": 7, "minute": 58}
